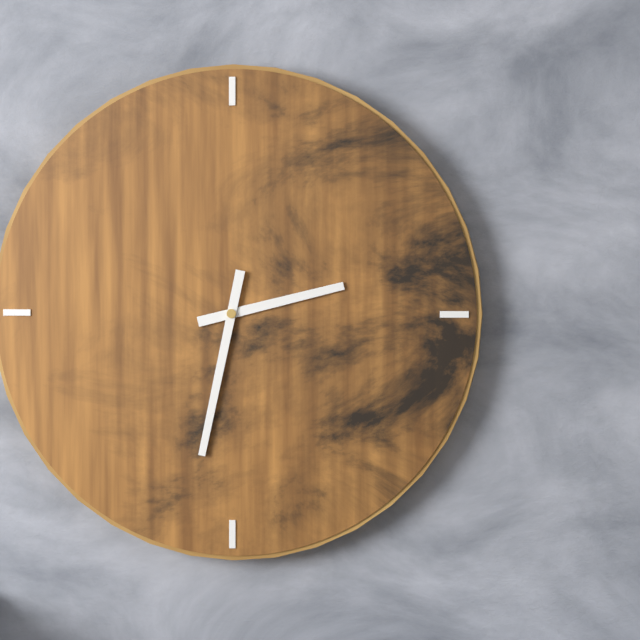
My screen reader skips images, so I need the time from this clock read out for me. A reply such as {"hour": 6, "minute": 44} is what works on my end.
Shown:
{"hour": 2, "minute": 32}
